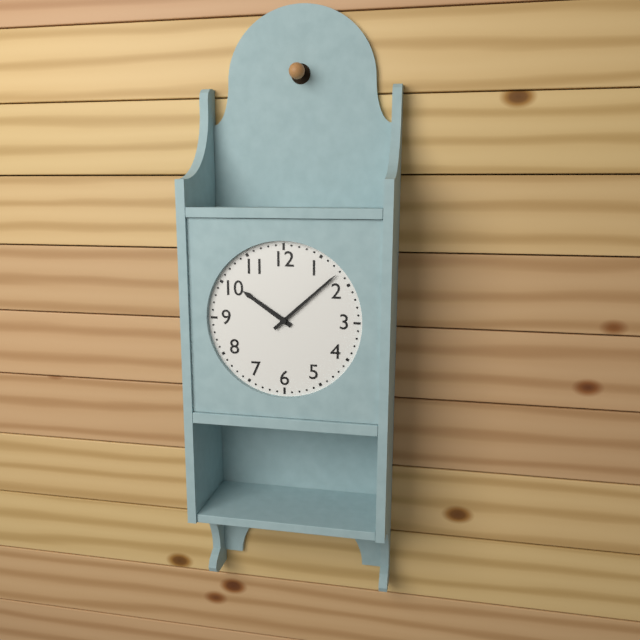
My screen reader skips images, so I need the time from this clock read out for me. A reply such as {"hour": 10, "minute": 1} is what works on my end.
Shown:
{"hour": 10, "minute": 8}
